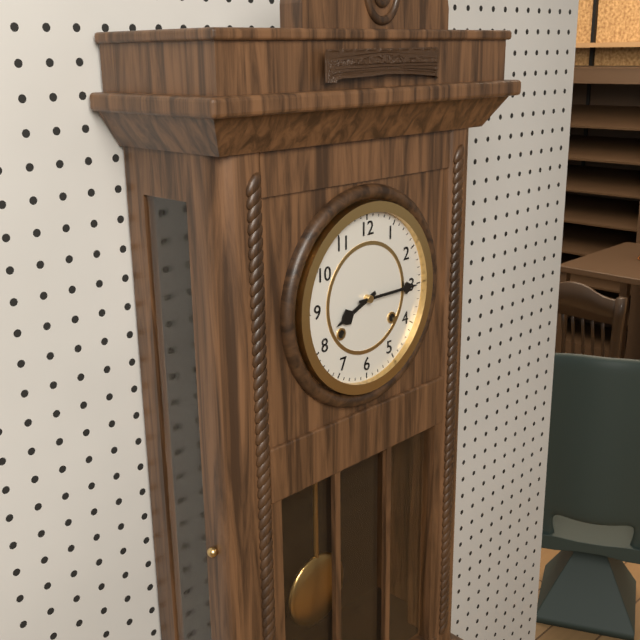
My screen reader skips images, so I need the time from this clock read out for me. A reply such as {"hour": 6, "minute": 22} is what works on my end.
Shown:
{"hour": 8, "minute": 15}
